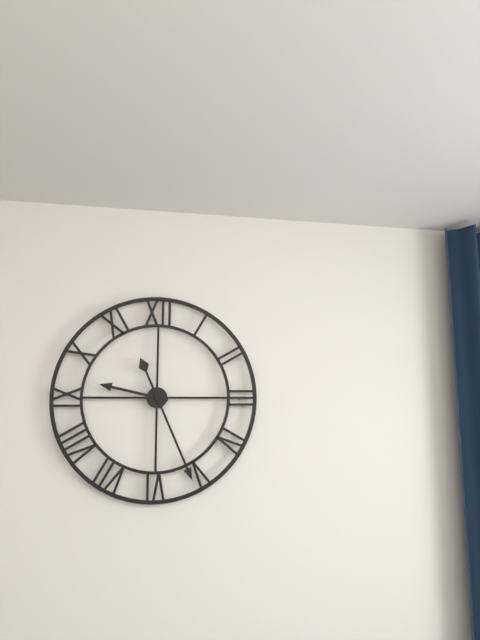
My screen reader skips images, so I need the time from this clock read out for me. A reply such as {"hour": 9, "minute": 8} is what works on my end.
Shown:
{"hour": 9, "minute": 26}
